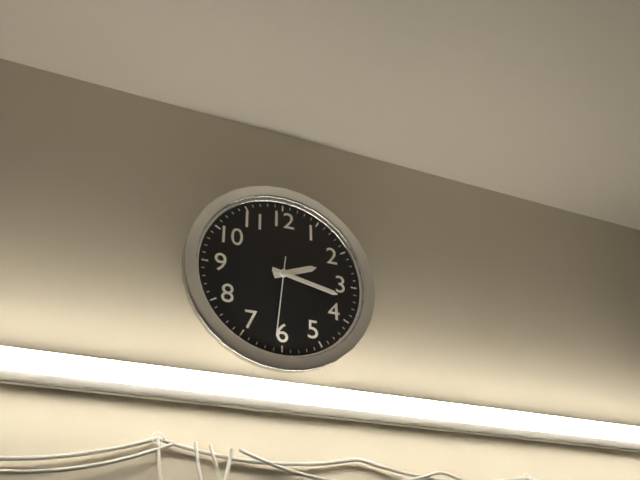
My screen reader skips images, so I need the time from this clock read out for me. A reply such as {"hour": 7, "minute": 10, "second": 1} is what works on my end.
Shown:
{"hour": 2, "minute": 17, "second": 31}
